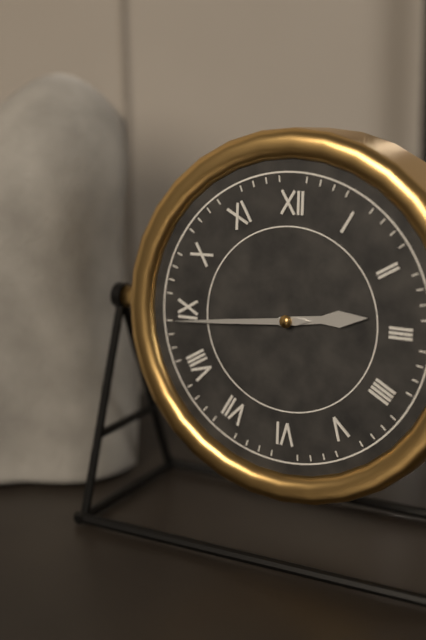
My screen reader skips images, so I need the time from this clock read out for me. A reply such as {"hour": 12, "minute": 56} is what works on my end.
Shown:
{"hour": 2, "minute": 44}
